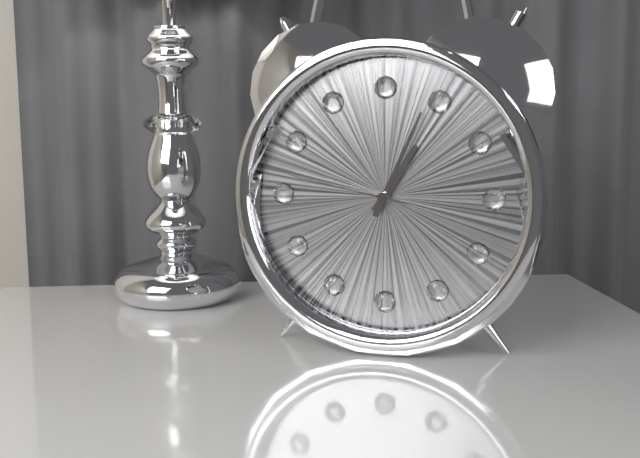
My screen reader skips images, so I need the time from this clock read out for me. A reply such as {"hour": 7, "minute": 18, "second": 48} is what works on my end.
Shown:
{"hour": 1, "minute": 4, "second": 47}
